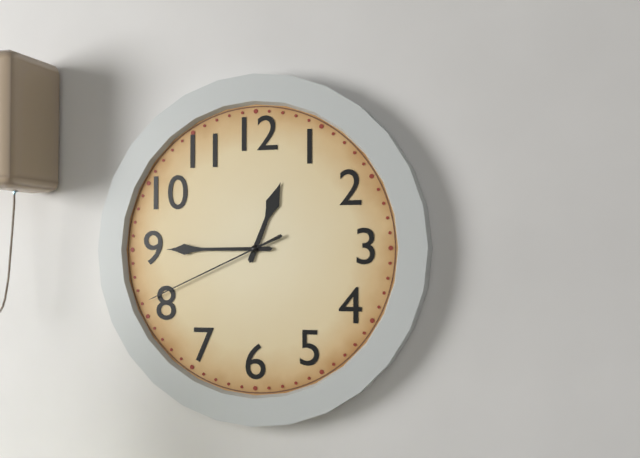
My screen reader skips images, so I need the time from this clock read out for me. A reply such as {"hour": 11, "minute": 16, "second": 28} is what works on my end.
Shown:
{"hour": 12, "minute": 45, "second": 41}
